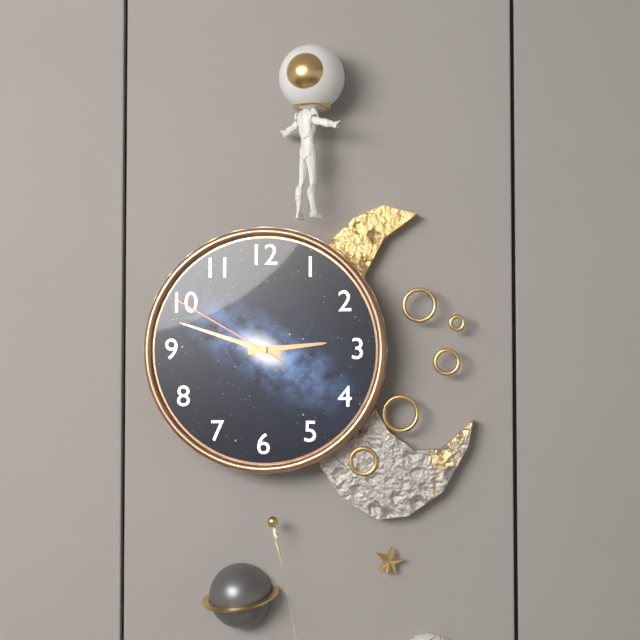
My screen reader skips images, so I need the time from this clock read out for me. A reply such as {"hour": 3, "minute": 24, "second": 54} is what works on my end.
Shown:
{"hour": 2, "minute": 48, "second": 50}
